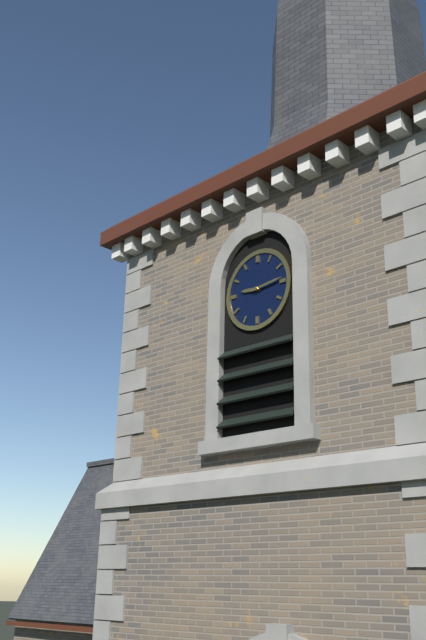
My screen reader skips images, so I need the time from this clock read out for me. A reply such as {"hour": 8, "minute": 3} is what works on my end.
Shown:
{"hour": 9, "minute": 14}
